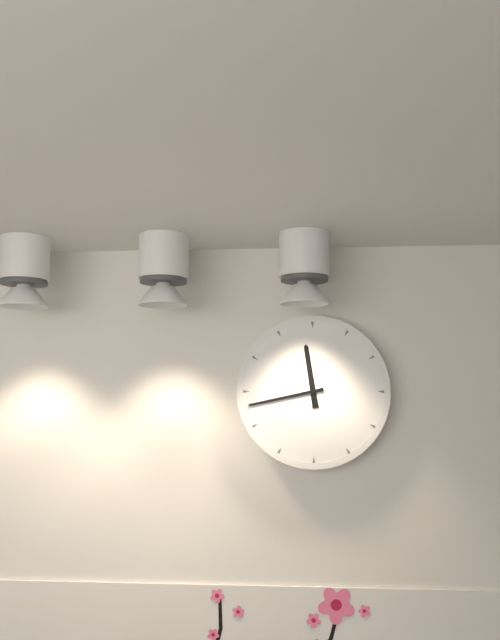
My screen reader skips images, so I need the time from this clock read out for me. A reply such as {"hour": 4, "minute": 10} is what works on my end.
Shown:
{"hour": 11, "minute": 43}
